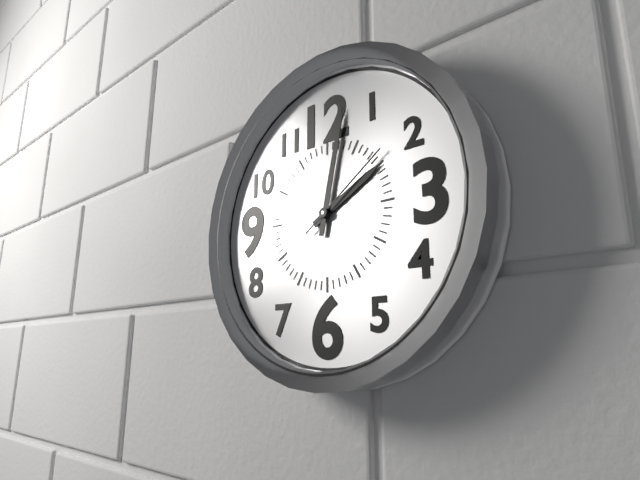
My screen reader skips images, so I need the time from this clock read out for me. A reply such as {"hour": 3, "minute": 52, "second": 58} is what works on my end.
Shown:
{"hour": 2, "minute": 2, "second": 9}
